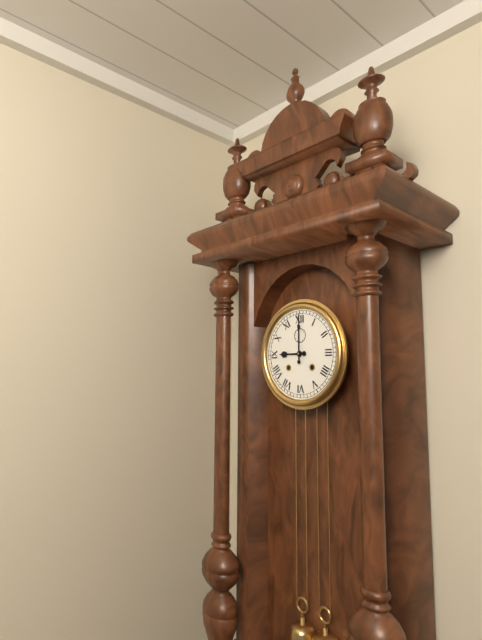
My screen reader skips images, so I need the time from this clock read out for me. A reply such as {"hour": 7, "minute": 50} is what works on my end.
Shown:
{"hour": 9, "minute": 0}
